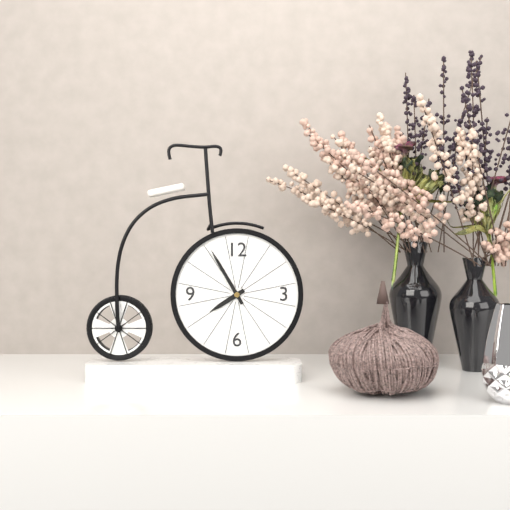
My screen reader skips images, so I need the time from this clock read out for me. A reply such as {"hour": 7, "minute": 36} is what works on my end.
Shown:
{"hour": 7, "minute": 55}
